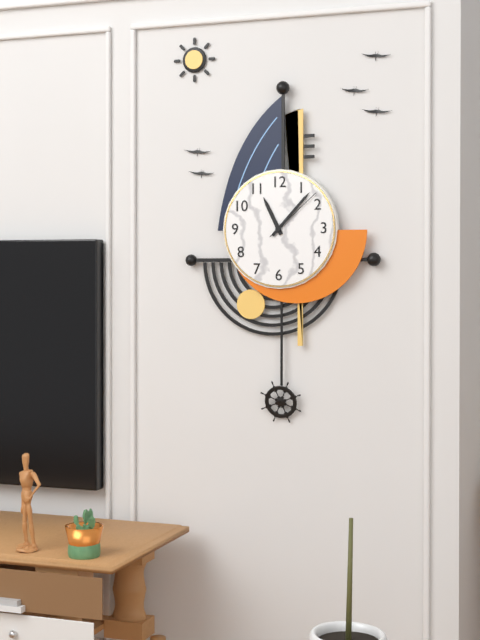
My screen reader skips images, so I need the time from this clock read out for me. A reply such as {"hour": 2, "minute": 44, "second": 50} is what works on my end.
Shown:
{"hour": 11, "minute": 7, "second": 8}
